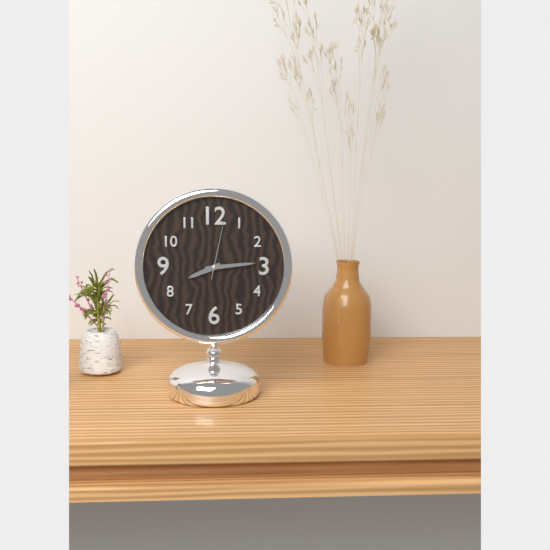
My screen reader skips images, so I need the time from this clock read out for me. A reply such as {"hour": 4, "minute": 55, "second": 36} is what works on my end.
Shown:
{"hour": 8, "minute": 14, "second": 2}
